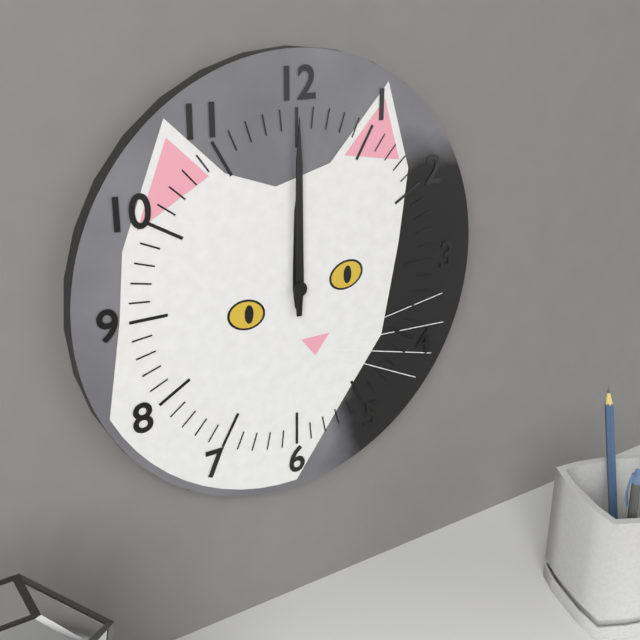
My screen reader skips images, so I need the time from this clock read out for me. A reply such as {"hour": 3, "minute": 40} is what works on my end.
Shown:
{"hour": 12, "minute": 0}
